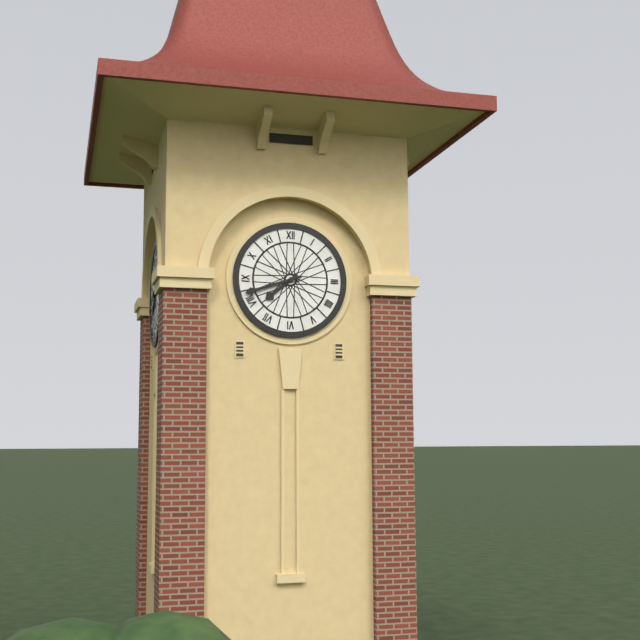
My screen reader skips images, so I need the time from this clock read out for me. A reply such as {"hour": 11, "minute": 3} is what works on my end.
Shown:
{"hour": 7, "minute": 42}
